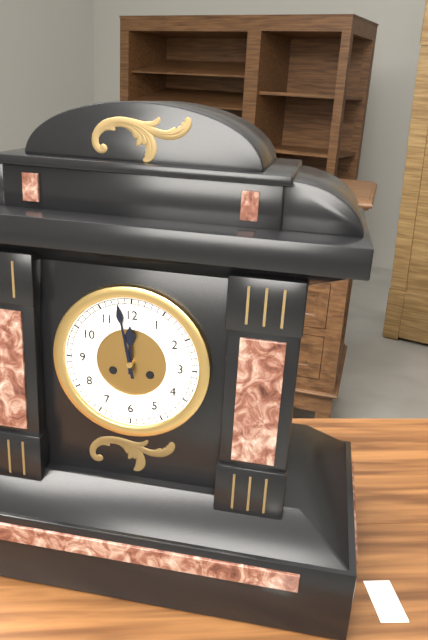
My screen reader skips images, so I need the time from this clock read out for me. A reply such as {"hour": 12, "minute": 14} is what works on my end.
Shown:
{"hour": 11, "minute": 58}
